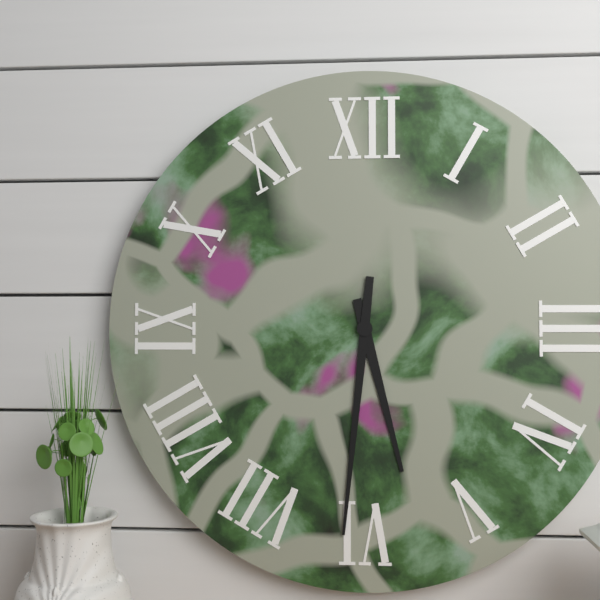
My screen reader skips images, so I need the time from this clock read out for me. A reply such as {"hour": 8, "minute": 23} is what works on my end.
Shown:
{"hour": 5, "minute": 31}
